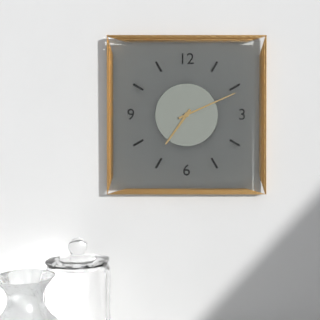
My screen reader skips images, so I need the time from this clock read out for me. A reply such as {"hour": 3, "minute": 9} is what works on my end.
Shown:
{"hour": 7, "minute": 11}
